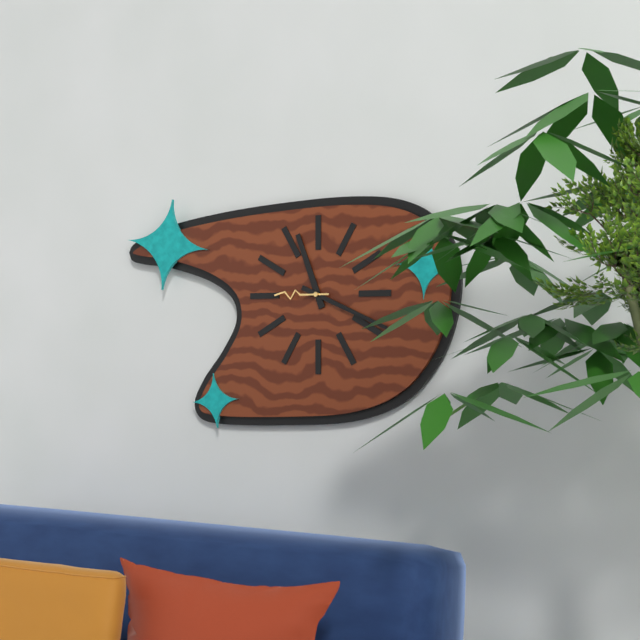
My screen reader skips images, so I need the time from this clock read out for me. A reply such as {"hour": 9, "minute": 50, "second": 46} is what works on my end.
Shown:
{"hour": 11, "minute": 19, "second": 45}
